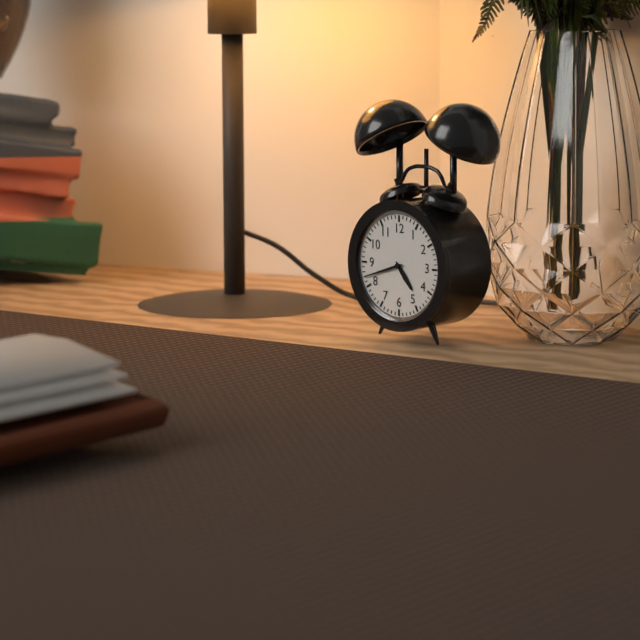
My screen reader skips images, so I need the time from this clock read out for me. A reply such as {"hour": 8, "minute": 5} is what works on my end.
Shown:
{"hour": 4, "minute": 42}
